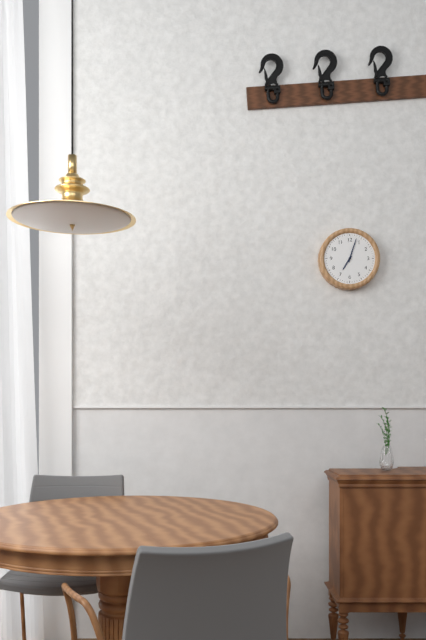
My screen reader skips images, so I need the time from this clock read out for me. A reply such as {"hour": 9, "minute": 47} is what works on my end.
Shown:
{"hour": 7, "minute": 3}
